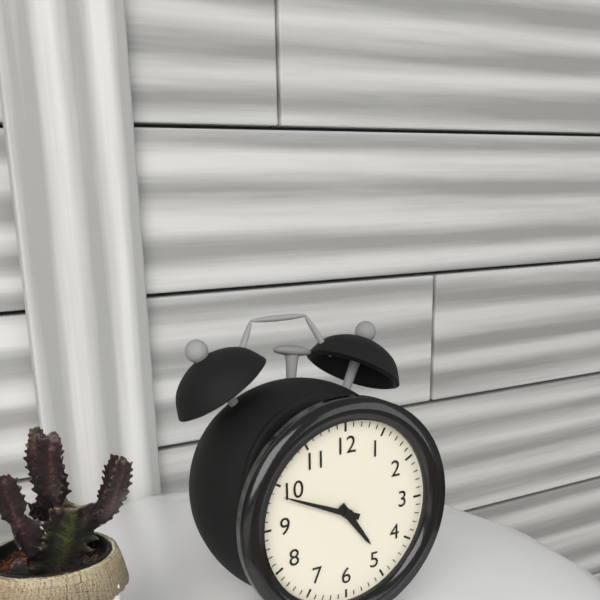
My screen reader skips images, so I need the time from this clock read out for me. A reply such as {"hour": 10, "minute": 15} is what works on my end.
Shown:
{"hour": 4, "minute": 49}
